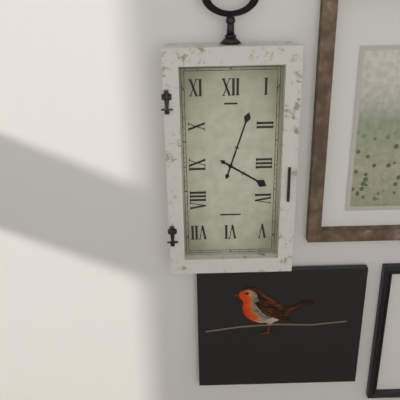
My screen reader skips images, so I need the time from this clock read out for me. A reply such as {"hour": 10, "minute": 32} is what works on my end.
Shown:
{"hour": 4, "minute": 3}
